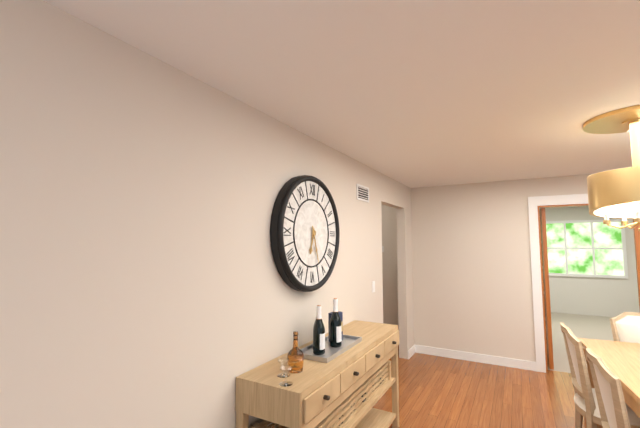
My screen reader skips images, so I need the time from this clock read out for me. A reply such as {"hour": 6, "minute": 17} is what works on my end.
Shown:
{"hour": 6, "minute": 27}
